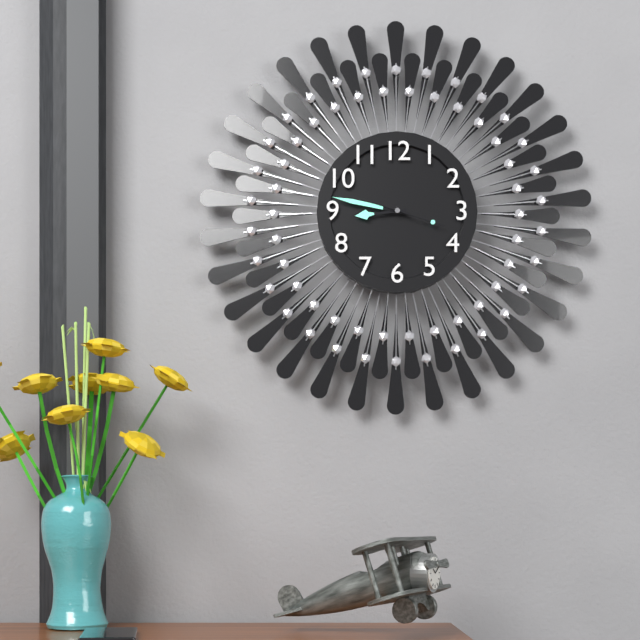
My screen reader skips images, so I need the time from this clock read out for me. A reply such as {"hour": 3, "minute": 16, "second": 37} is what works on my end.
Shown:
{"hour": 8, "minute": 47, "second": 18}
